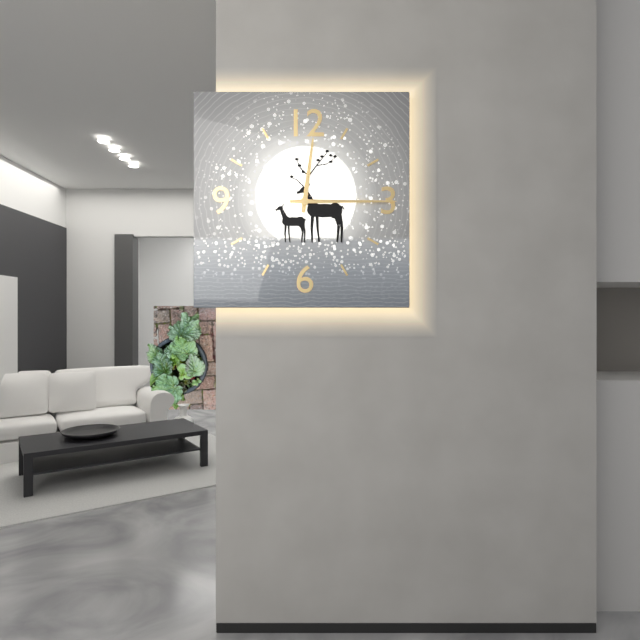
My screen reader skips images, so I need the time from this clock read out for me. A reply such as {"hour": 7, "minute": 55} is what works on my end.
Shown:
{"hour": 12, "minute": 15}
